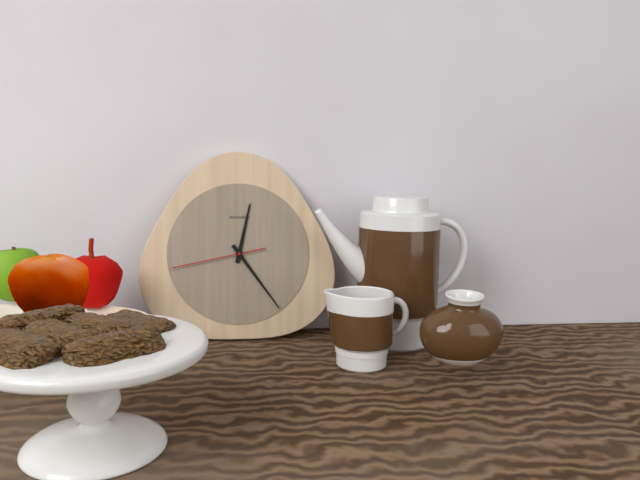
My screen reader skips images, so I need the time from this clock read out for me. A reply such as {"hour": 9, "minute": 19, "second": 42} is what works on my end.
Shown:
{"hour": 12, "minute": 24, "second": 43}
